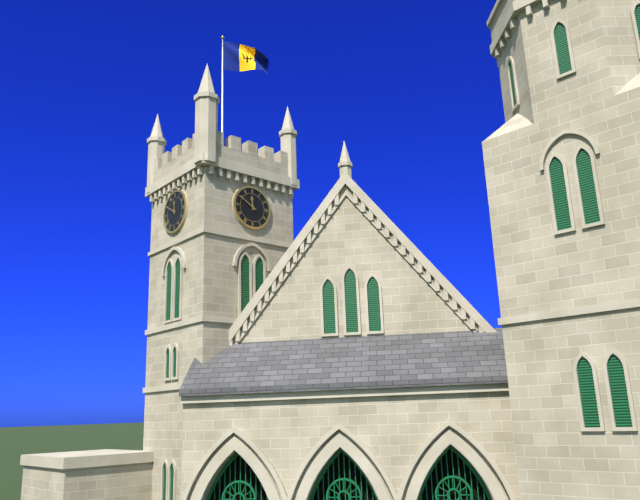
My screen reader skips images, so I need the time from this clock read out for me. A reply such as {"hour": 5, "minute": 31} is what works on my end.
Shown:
{"hour": 11, "minute": 50}
